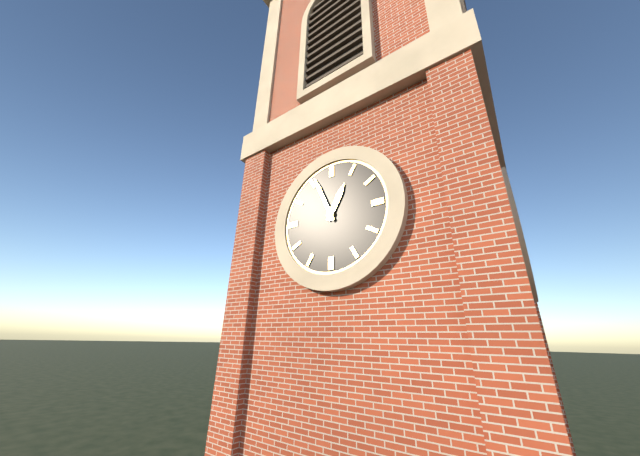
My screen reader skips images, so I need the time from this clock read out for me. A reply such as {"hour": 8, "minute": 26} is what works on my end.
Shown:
{"hour": 12, "minute": 56}
